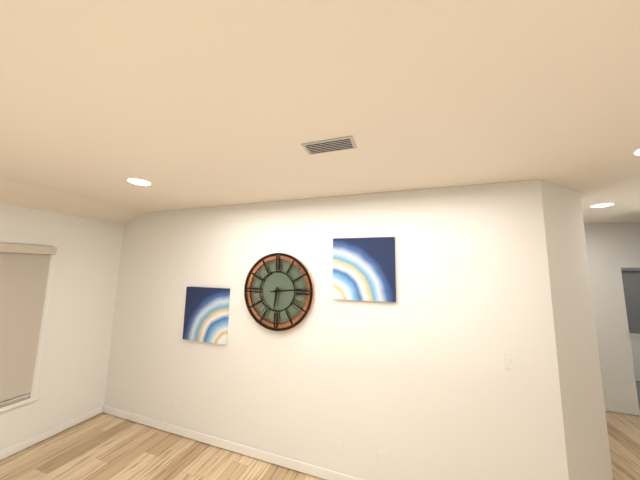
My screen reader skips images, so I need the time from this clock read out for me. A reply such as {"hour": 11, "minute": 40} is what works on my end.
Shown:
{"hour": 6, "minute": 14}
